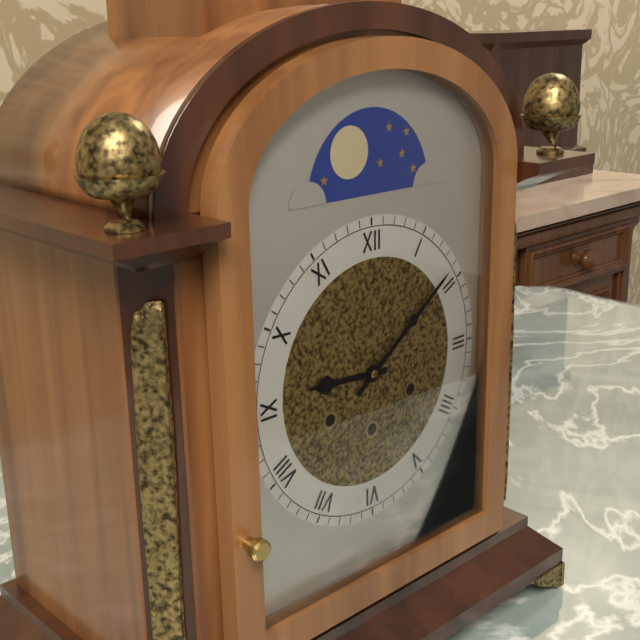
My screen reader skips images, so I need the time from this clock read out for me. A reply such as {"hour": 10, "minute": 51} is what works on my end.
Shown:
{"hour": 9, "minute": 9}
